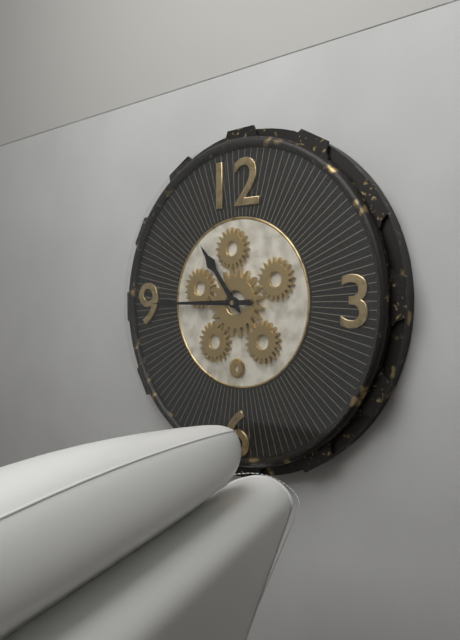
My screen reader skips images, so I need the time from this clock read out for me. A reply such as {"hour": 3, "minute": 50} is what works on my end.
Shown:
{"hour": 10, "minute": 45}
